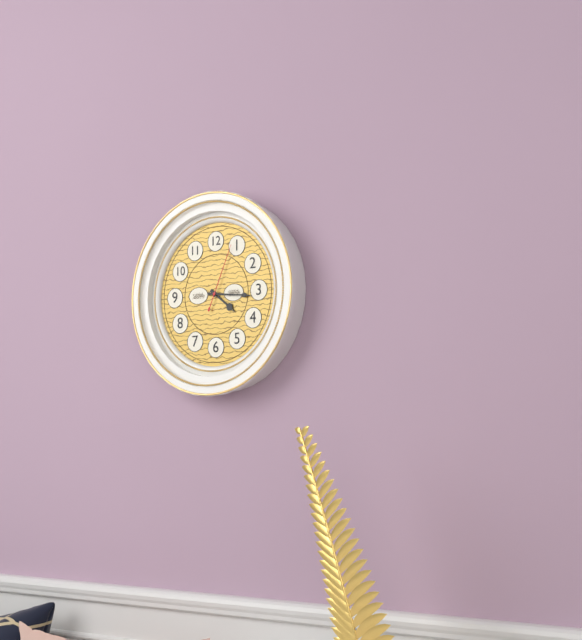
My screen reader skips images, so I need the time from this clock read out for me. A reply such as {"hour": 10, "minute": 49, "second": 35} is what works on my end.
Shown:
{"hour": 4, "minute": 16, "second": 4}
